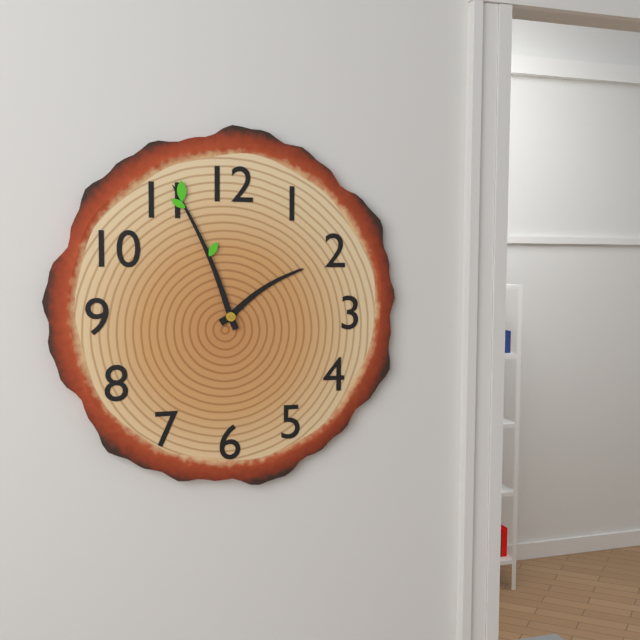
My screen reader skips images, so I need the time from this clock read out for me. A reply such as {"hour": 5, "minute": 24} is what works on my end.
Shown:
{"hour": 1, "minute": 56}
